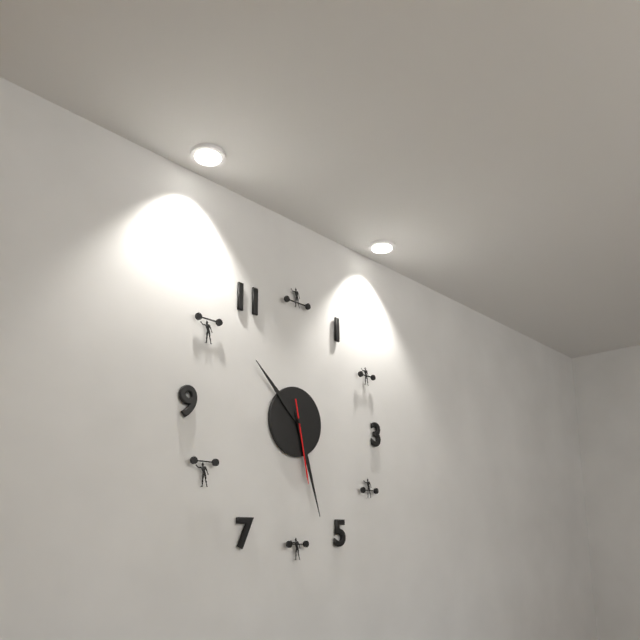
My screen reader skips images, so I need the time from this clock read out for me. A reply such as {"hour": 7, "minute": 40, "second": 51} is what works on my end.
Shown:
{"hour": 10, "minute": 27, "second": 28}
